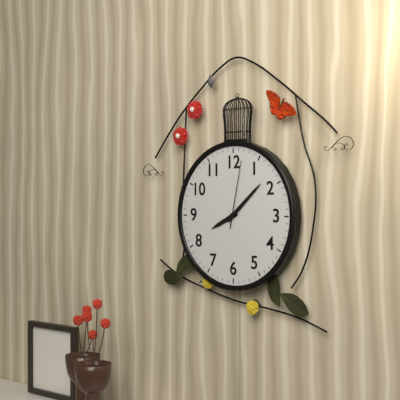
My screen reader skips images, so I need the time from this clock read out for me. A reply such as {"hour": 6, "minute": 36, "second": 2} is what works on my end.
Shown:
{"hour": 8, "minute": 8, "second": 2}
